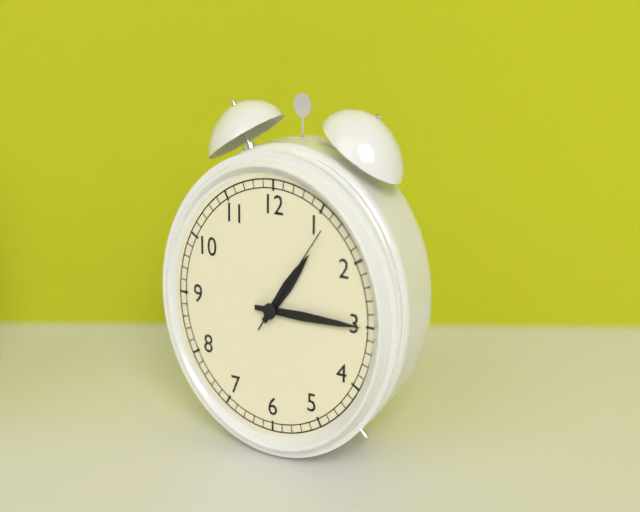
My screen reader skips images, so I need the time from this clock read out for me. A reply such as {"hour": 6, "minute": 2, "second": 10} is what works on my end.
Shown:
{"hour": 1, "minute": 15, "second": 6}
